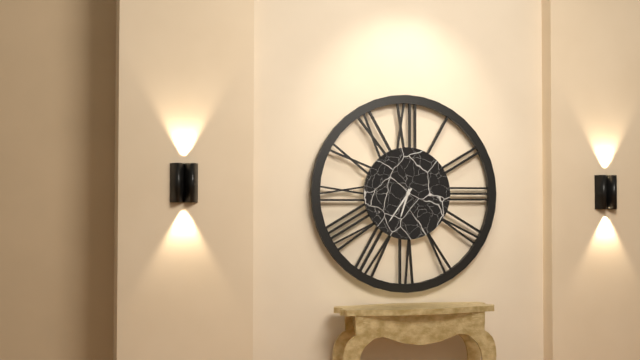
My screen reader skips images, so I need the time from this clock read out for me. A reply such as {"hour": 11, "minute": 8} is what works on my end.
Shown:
{"hour": 6, "minute": 36}
